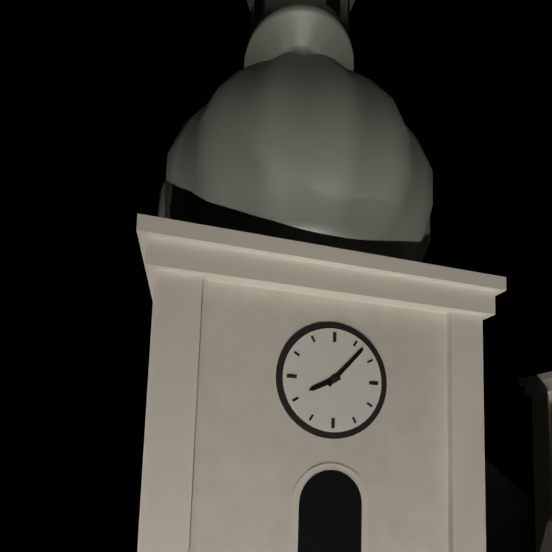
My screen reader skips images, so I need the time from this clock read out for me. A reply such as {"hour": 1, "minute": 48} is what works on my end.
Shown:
{"hour": 8, "minute": 7}
